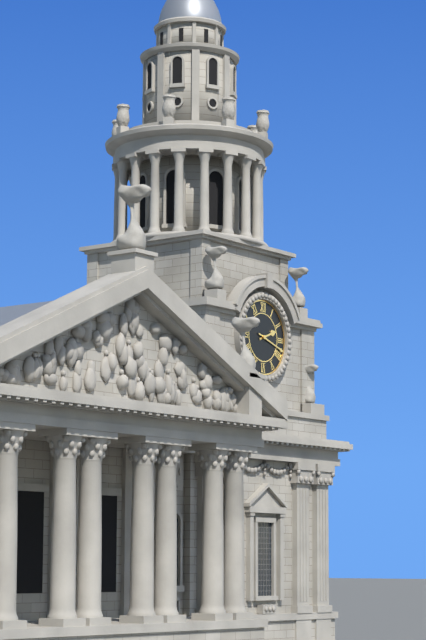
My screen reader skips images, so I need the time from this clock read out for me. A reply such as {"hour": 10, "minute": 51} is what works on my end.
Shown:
{"hour": 2, "minute": 18}
